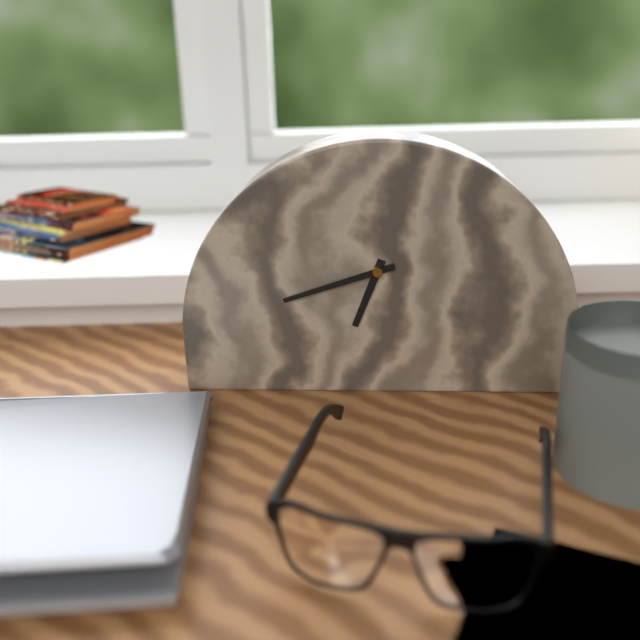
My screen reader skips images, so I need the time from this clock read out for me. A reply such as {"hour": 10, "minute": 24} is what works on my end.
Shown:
{"hour": 6, "minute": 42}
